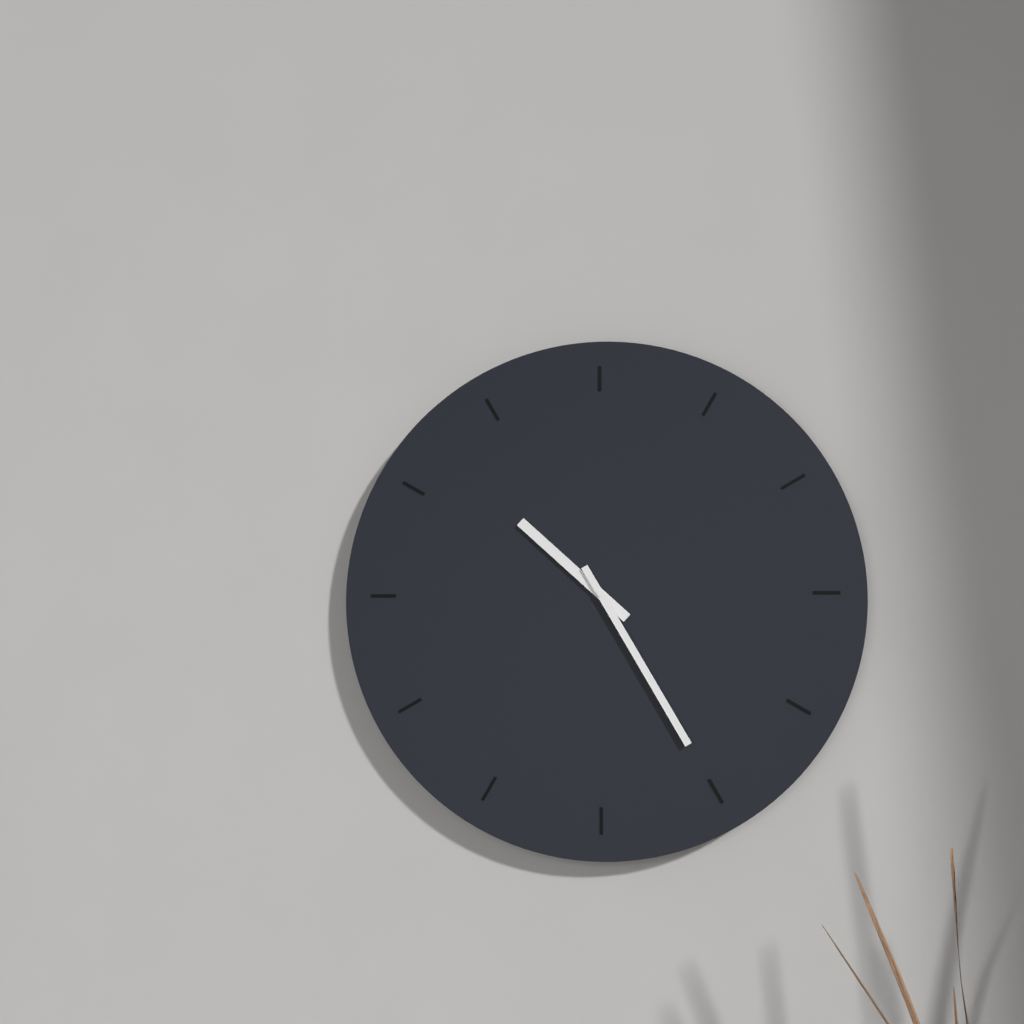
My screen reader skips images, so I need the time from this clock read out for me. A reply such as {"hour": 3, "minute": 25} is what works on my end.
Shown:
{"hour": 10, "minute": 25}
